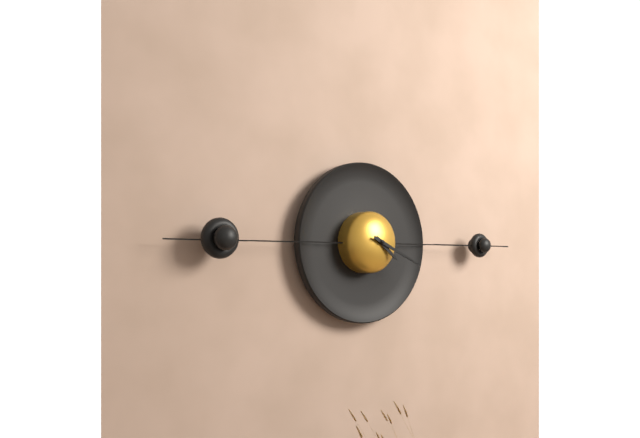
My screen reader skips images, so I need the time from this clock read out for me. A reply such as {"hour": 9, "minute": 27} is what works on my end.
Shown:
{"hour": 4, "minute": 19}
